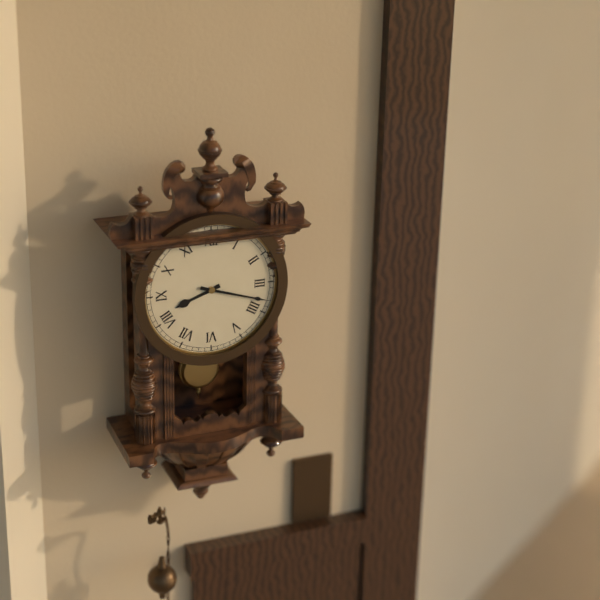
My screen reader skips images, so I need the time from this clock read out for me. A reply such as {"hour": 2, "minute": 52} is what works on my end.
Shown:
{"hour": 8, "minute": 18}
